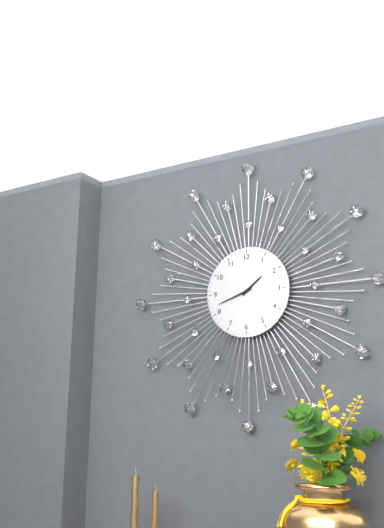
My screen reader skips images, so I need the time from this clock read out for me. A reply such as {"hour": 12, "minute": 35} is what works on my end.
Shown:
{"hour": 1, "minute": 42}
